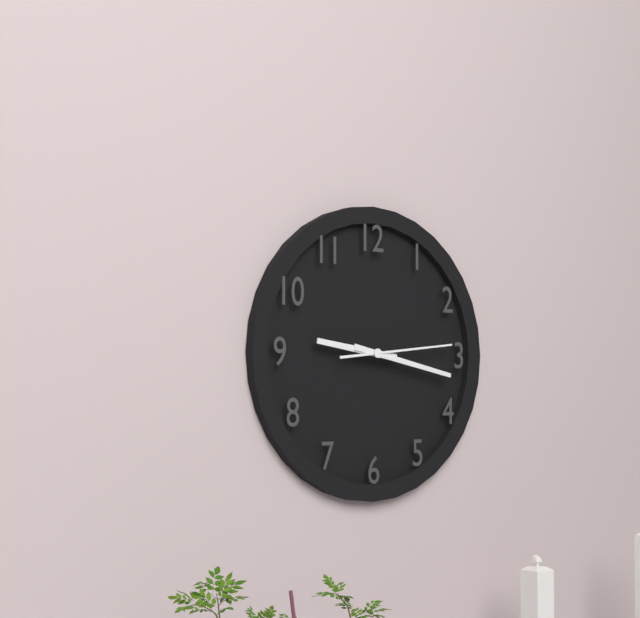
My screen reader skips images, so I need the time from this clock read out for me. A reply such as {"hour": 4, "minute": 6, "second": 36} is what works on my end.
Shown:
{"hour": 9, "minute": 17, "second": 14}
